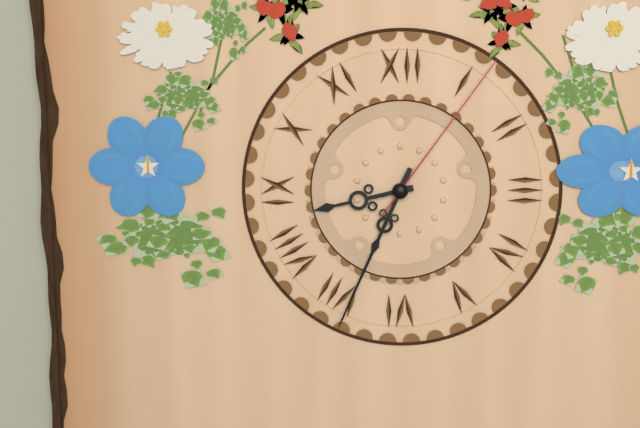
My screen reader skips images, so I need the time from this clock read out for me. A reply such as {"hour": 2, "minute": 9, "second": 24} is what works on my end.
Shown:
{"hour": 8, "minute": 34, "second": 6}
